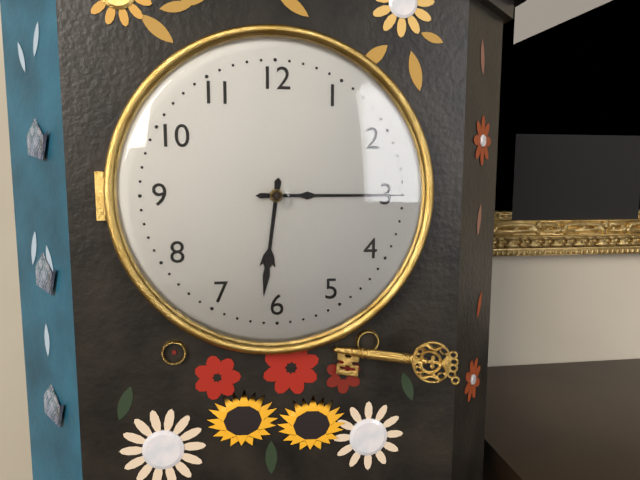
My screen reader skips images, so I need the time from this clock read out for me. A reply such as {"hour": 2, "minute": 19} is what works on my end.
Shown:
{"hour": 6, "minute": 15}
